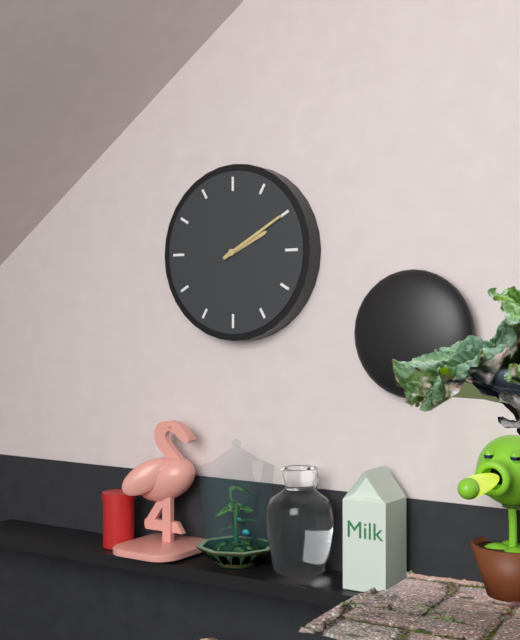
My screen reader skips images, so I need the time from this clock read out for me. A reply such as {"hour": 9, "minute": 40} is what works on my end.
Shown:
{"hour": 2, "minute": 10}
